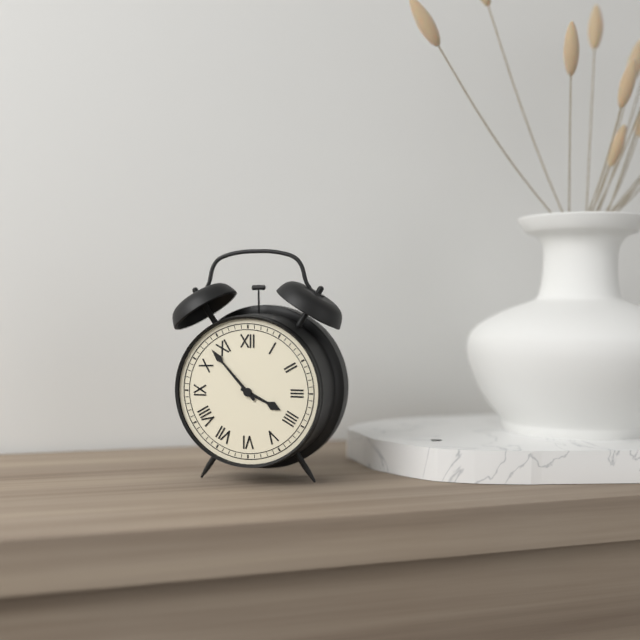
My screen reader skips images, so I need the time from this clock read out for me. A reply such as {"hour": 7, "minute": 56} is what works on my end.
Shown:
{"hour": 3, "minute": 53}
